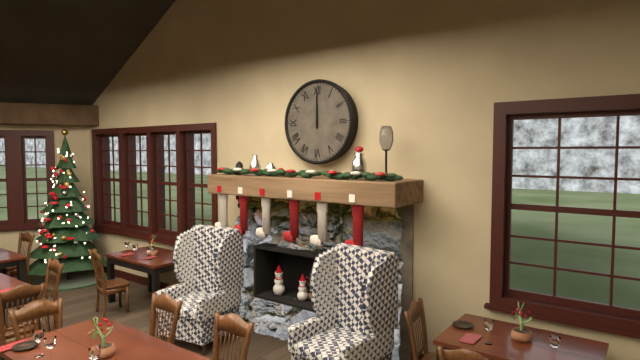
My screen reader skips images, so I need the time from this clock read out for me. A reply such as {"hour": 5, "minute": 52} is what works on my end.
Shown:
{"hour": 12, "minute": 0}
